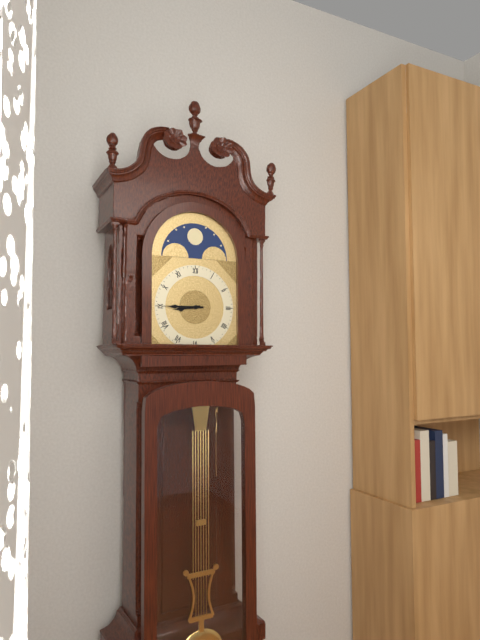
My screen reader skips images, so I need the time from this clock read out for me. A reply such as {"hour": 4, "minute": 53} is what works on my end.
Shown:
{"hour": 8, "minute": 45}
